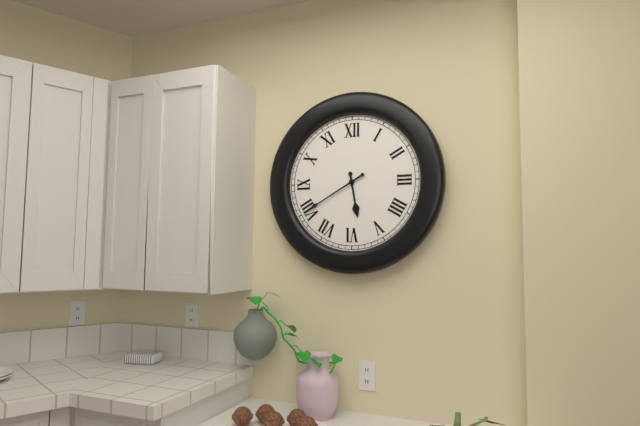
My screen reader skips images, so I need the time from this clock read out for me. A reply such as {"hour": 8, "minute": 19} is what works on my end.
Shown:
{"hour": 5, "minute": 40}
